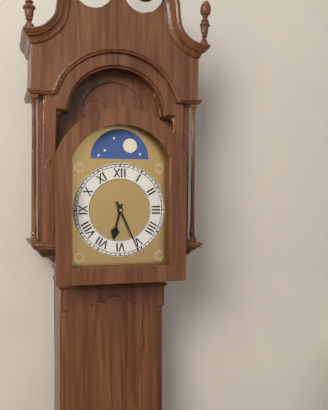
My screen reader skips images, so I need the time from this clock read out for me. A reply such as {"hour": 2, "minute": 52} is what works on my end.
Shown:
{"hour": 6, "minute": 26}
